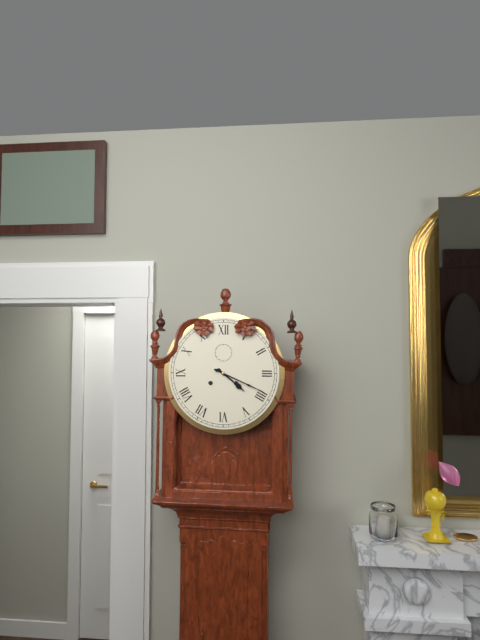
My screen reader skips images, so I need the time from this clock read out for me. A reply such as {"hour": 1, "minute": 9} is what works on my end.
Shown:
{"hour": 4, "minute": 19}
